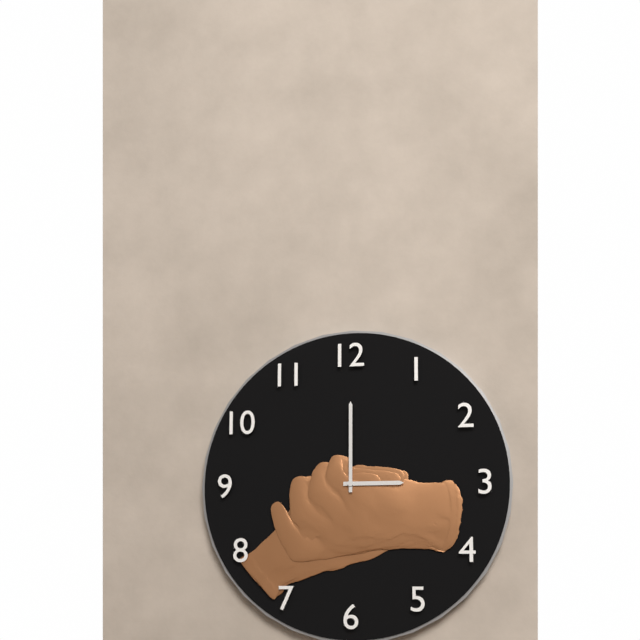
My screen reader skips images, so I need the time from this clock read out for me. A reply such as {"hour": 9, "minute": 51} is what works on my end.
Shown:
{"hour": 3, "minute": 0}
